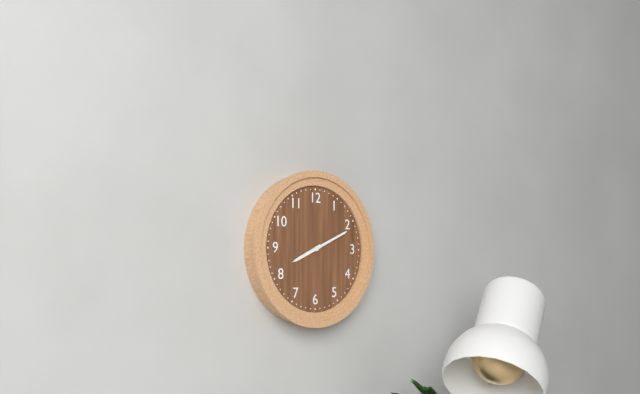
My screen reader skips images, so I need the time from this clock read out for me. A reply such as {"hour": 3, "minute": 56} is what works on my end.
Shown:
{"hour": 8, "minute": 11}
